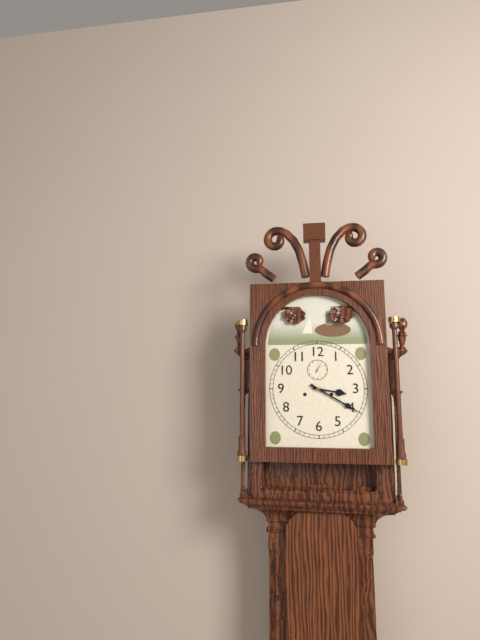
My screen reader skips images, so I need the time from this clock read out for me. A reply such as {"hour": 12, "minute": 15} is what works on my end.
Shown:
{"hour": 3, "minute": 20}
